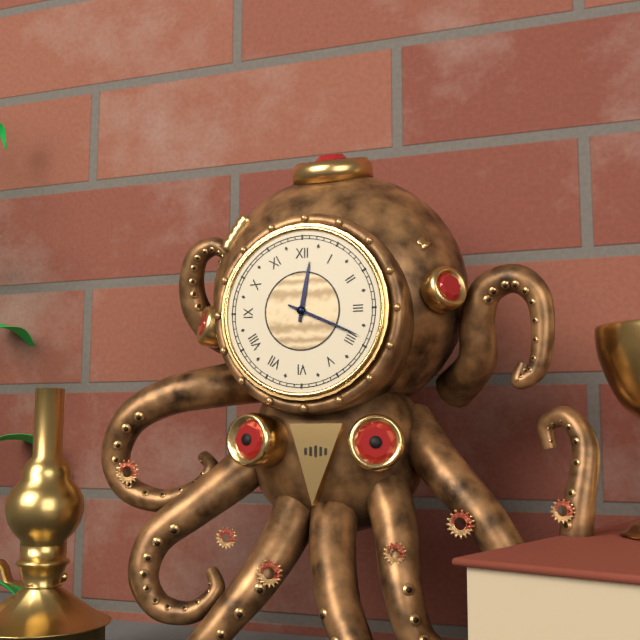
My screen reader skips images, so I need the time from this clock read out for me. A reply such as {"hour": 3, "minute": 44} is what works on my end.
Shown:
{"hour": 12, "minute": 19}
